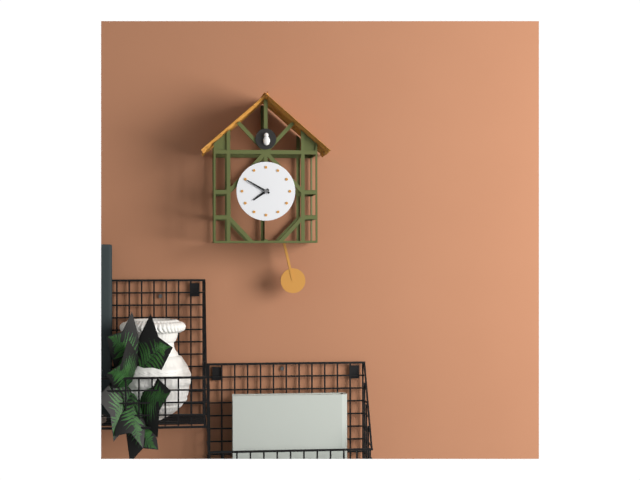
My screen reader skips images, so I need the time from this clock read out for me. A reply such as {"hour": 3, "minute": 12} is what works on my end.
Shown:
{"hour": 7, "minute": 50}
